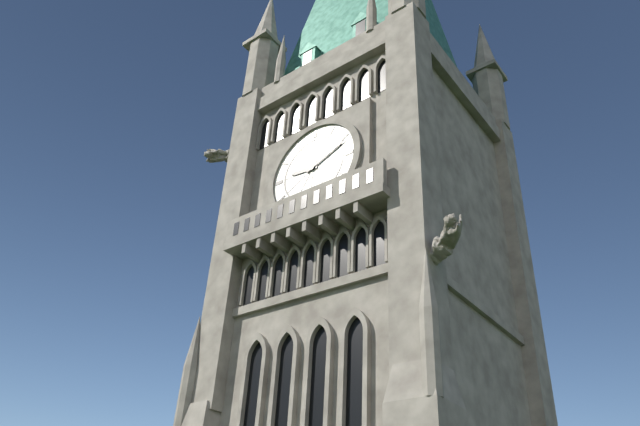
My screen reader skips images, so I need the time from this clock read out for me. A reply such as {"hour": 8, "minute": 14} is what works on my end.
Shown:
{"hour": 9, "minute": 11}
